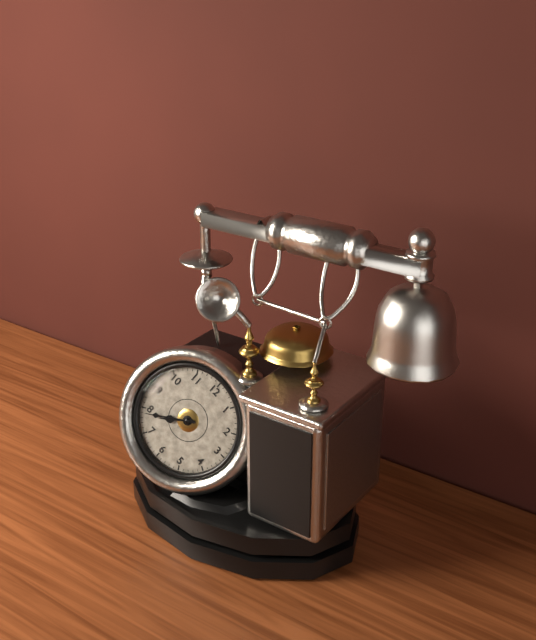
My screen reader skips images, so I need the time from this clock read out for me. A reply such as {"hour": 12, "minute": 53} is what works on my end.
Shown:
{"hour": 7, "minute": 39}
